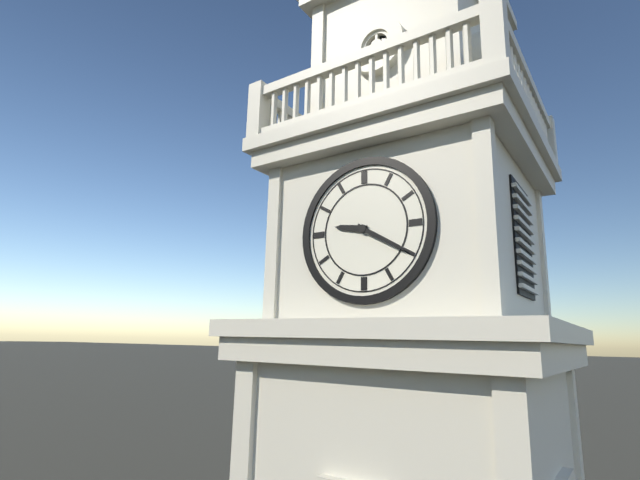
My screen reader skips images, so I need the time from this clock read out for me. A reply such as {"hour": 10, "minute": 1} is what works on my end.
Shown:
{"hour": 9, "minute": 20}
